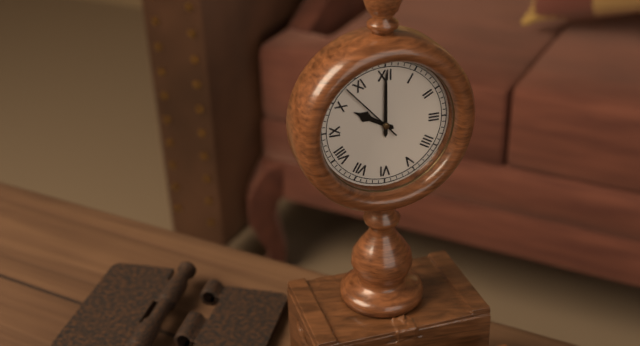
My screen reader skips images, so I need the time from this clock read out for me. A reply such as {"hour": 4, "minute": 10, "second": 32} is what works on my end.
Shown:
{"hour": 10, "minute": 0, "second": 53}
